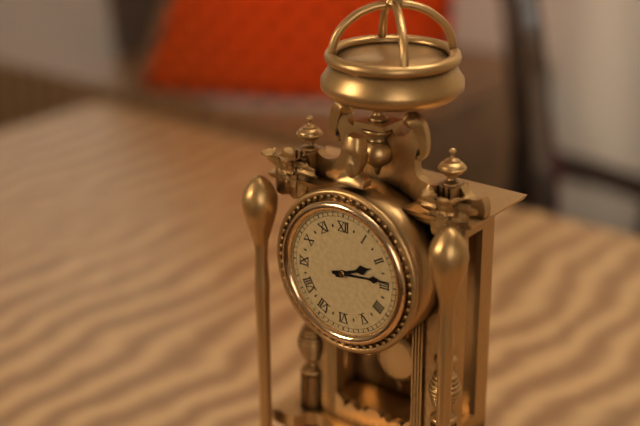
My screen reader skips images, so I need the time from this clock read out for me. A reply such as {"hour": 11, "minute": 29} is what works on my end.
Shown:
{"hour": 2, "minute": 14}
